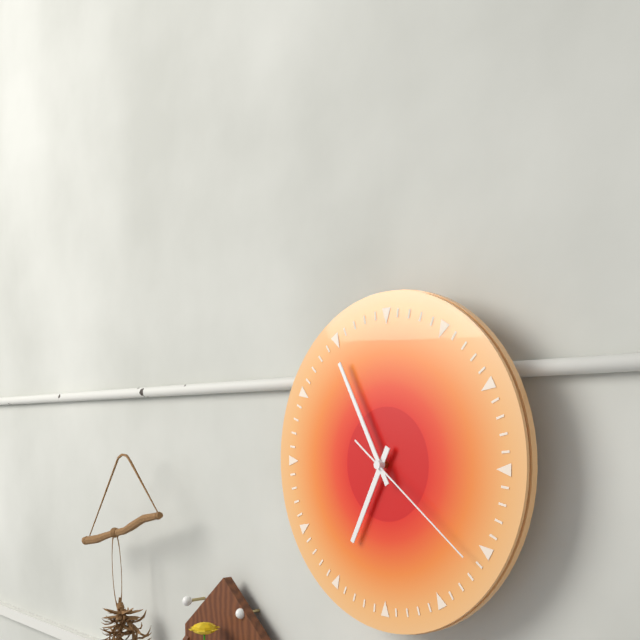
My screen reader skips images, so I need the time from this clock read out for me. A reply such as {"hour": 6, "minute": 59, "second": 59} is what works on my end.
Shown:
{"hour": 6, "minute": 55, "second": 21}
